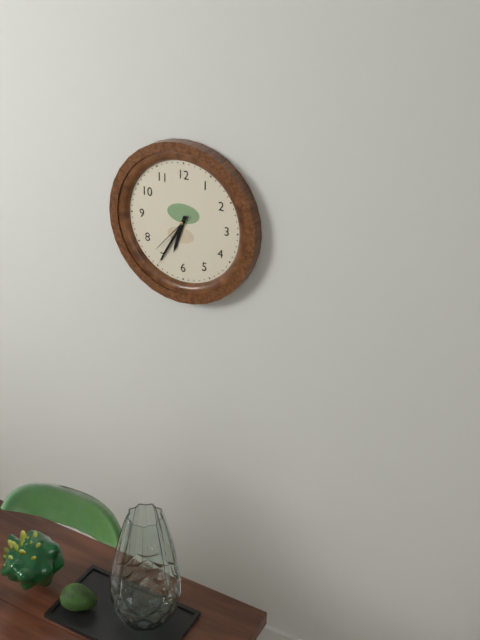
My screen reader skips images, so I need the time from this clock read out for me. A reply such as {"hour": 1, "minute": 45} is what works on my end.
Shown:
{"hour": 6, "minute": 35}
